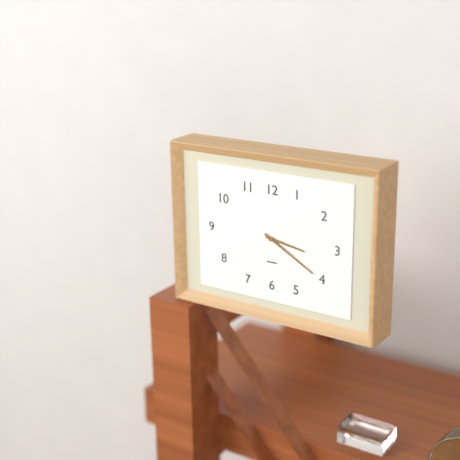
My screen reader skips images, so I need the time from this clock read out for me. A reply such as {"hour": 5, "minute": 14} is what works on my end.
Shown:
{"hour": 3, "minute": 20}
